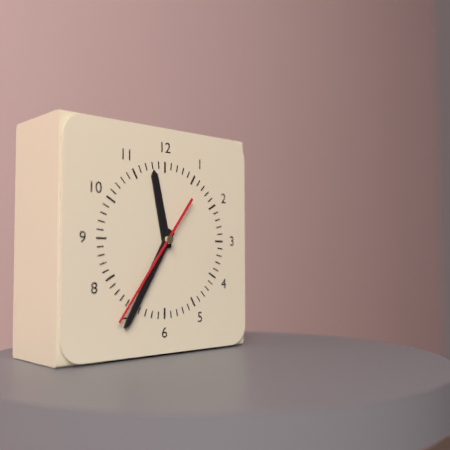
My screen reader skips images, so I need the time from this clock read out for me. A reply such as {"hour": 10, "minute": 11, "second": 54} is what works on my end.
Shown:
{"hour": 11, "minute": 35, "second": 36}
